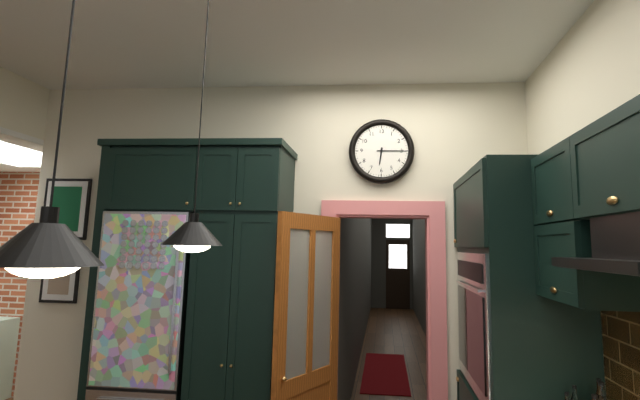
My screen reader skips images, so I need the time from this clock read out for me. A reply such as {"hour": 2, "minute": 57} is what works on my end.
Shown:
{"hour": 6, "minute": 15}
